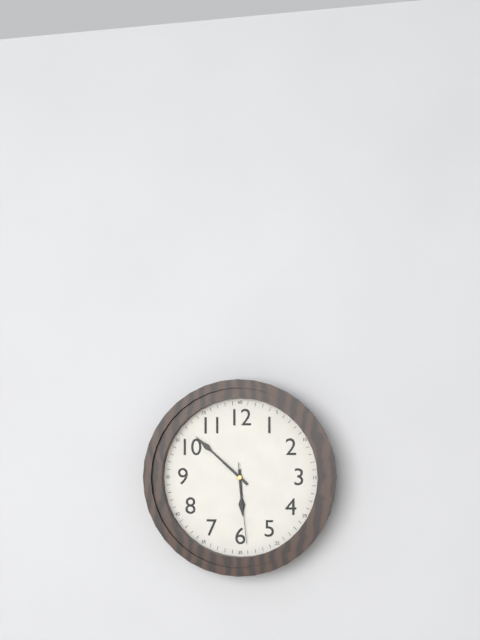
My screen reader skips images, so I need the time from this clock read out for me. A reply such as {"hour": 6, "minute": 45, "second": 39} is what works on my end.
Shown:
{"hour": 5, "minute": 52, "second": 29}
